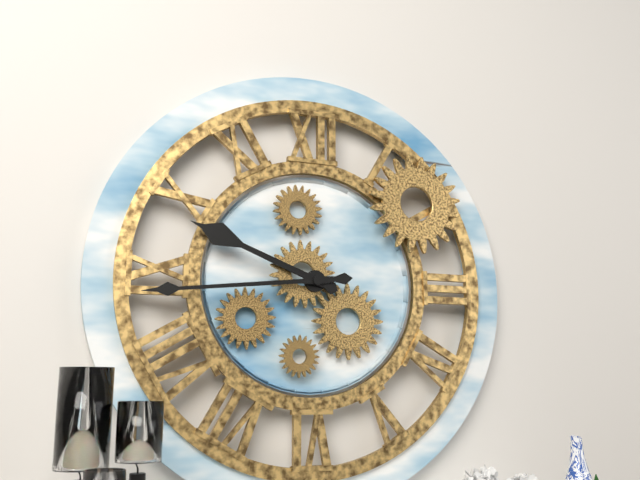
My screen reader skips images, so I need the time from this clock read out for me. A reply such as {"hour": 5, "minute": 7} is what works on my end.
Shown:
{"hour": 9, "minute": 44}
